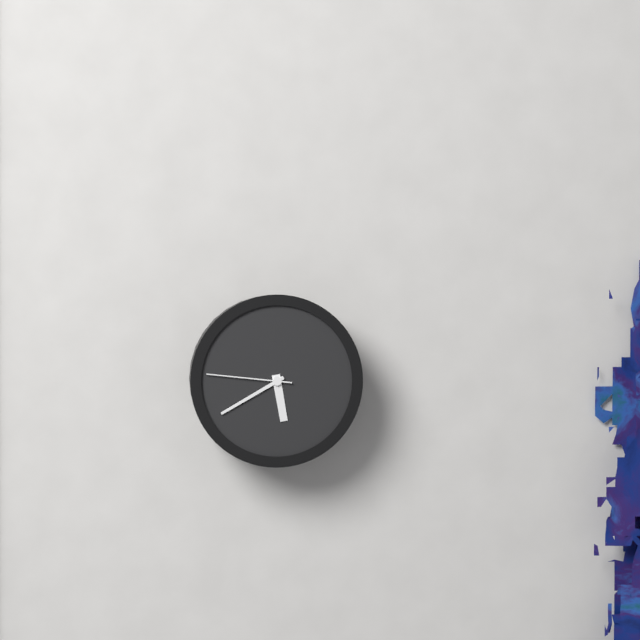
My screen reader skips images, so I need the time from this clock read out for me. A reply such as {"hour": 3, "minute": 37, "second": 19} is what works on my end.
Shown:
{"hour": 5, "minute": 40, "second": 46}
